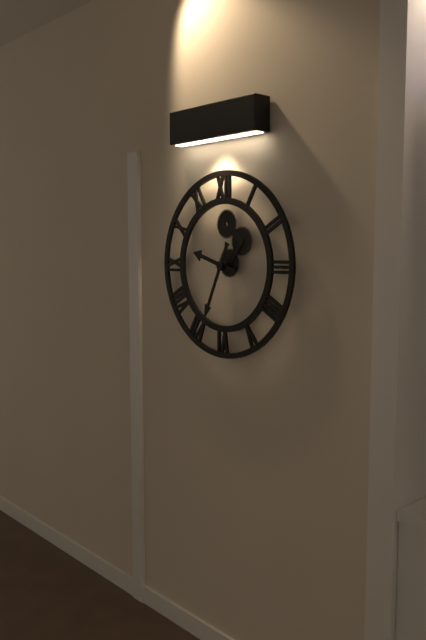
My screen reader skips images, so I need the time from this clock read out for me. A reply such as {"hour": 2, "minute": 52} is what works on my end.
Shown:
{"hour": 9, "minute": 34}
